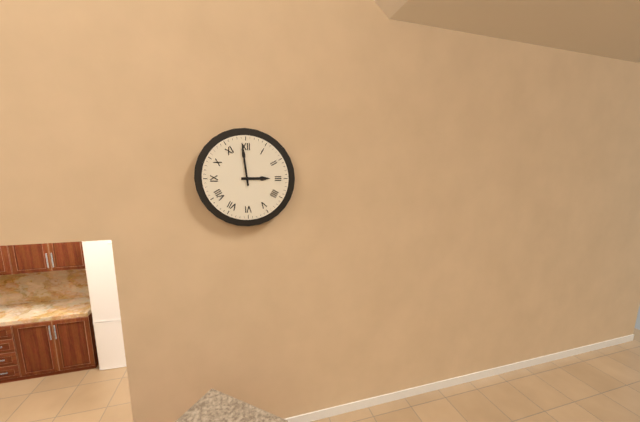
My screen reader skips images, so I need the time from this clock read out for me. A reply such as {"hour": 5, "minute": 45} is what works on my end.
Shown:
{"hour": 2, "minute": 59}
